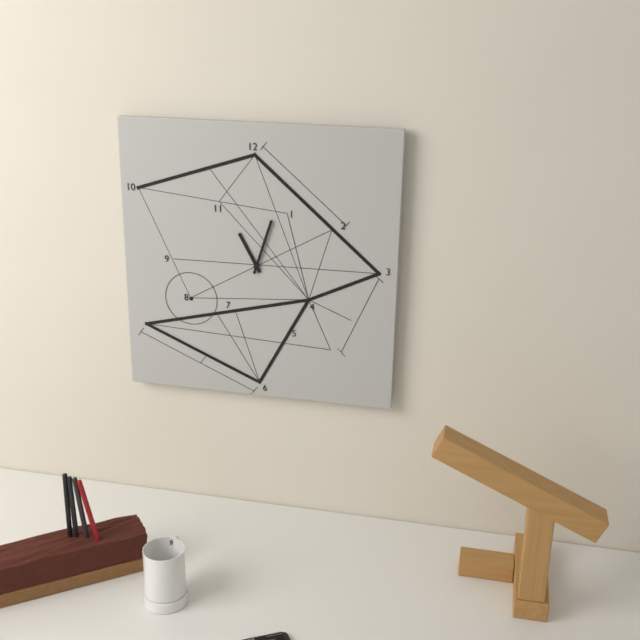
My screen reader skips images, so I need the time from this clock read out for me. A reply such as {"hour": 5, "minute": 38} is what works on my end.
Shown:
{"hour": 11, "minute": 3}
